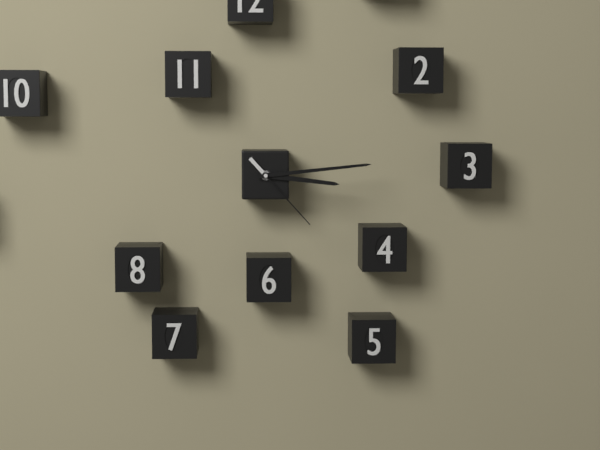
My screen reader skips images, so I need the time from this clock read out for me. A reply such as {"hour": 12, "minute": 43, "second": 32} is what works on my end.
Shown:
{"hour": 3, "minute": 14, "second": 23}
